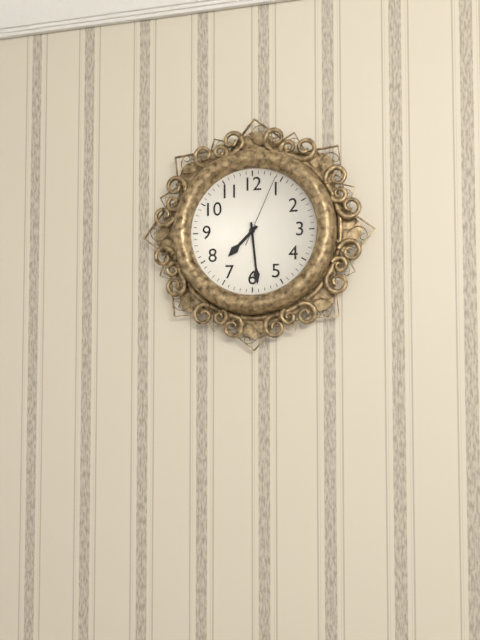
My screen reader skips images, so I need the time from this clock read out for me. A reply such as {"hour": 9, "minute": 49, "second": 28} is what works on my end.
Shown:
{"hour": 7, "minute": 29, "second": 4}
